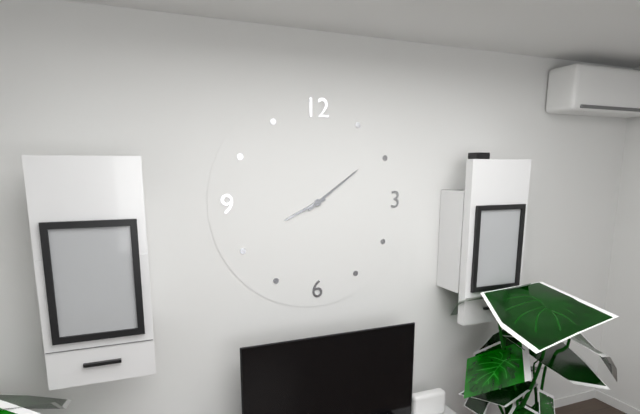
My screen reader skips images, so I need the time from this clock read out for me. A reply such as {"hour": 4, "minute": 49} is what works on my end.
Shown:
{"hour": 8, "minute": 9}
